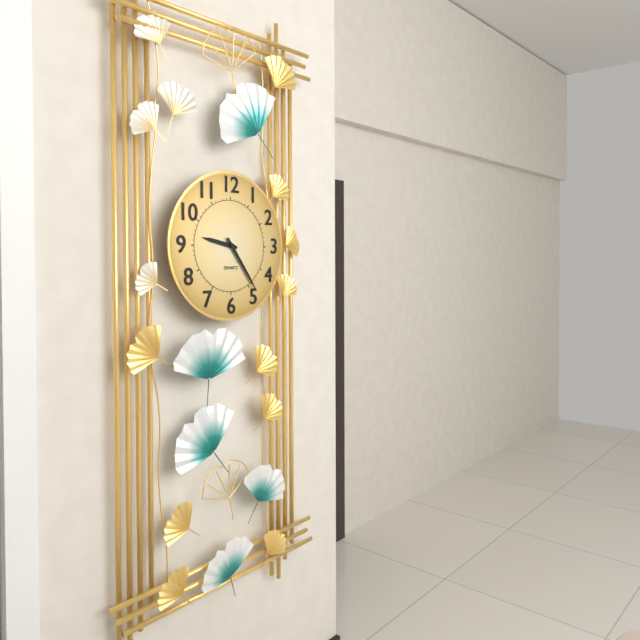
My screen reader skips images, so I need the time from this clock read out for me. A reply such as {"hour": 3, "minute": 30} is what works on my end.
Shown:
{"hour": 9, "minute": 24}
